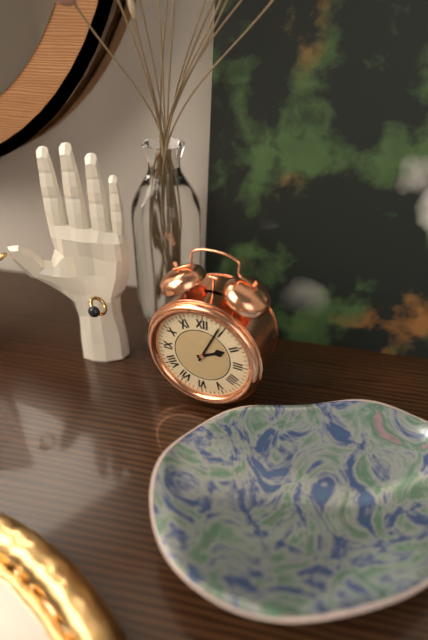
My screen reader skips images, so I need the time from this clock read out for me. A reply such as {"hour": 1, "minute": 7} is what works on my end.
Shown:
{"hour": 2, "minute": 4}
